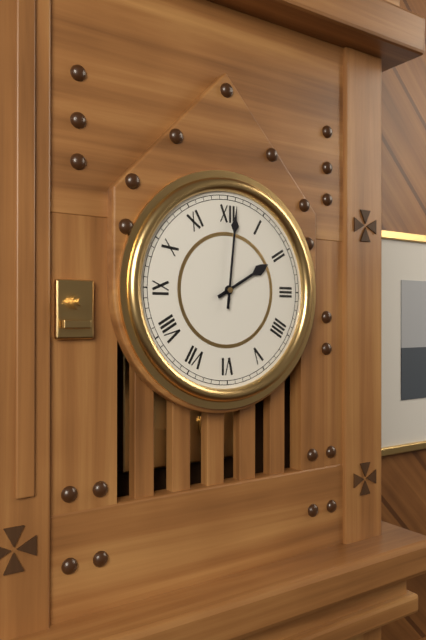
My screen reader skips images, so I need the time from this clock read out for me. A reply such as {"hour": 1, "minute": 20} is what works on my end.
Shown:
{"hour": 2, "minute": 1}
